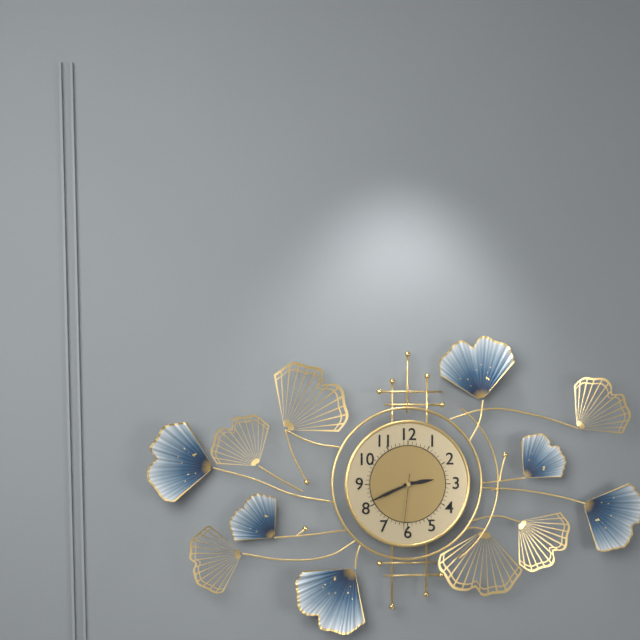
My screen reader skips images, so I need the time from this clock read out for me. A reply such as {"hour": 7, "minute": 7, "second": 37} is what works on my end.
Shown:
{"hour": 2, "minute": 41, "second": 31}
